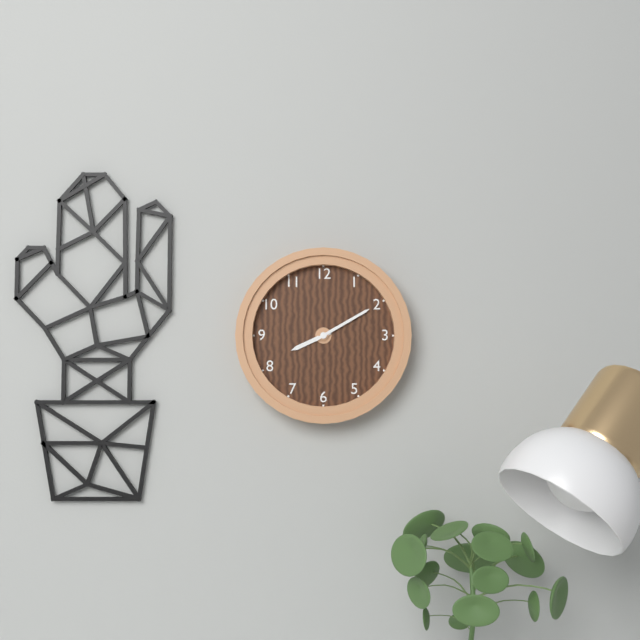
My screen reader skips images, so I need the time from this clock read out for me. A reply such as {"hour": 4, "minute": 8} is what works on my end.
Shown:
{"hour": 8, "minute": 10}
